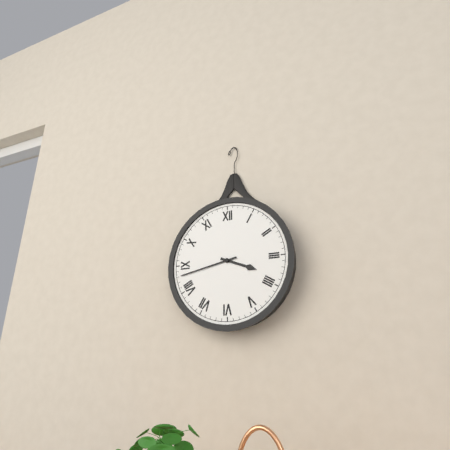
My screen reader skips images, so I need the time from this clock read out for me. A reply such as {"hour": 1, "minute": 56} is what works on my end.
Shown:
{"hour": 3, "minute": 43}
